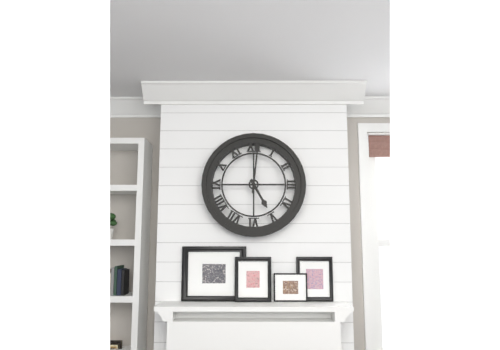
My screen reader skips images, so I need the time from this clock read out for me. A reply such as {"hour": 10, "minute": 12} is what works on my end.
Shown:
{"hour": 5, "minute": 1}
